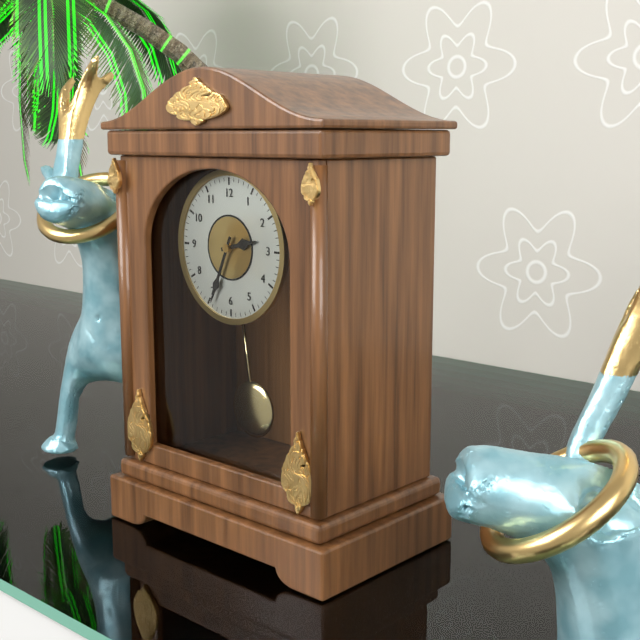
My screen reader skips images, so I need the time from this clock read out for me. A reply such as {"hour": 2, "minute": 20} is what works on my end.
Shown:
{"hour": 2, "minute": 34}
